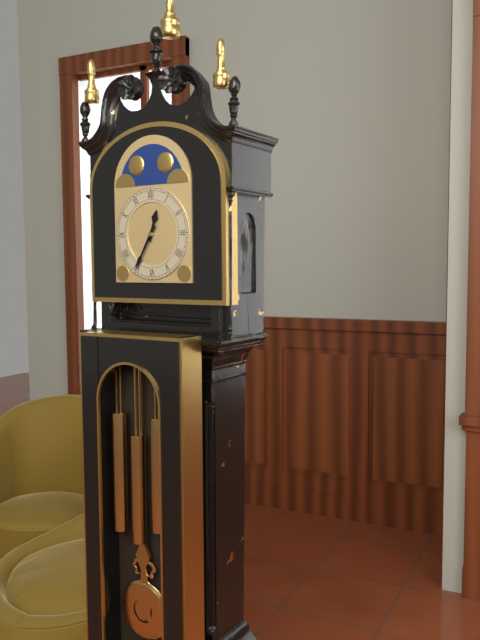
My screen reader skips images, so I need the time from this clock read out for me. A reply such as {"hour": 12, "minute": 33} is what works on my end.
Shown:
{"hour": 12, "minute": 35}
